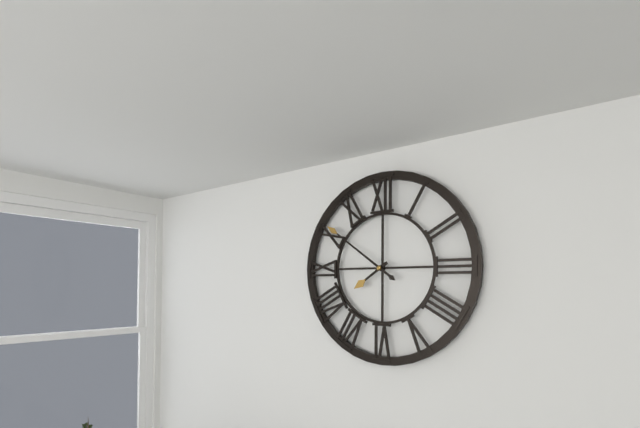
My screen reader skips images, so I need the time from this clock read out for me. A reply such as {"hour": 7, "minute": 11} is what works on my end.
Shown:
{"hour": 7, "minute": 51}
